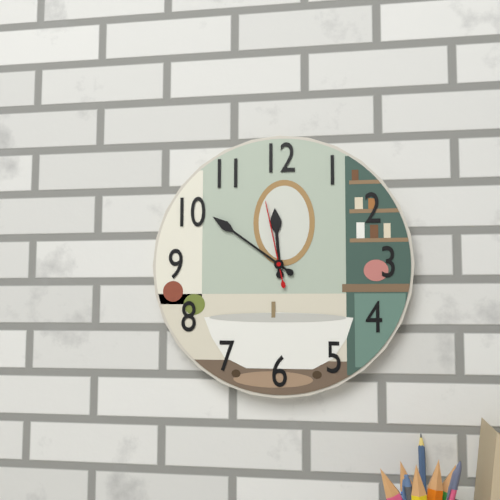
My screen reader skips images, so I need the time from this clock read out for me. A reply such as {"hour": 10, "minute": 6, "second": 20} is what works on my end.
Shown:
{"hour": 11, "minute": 51, "second": 58}
